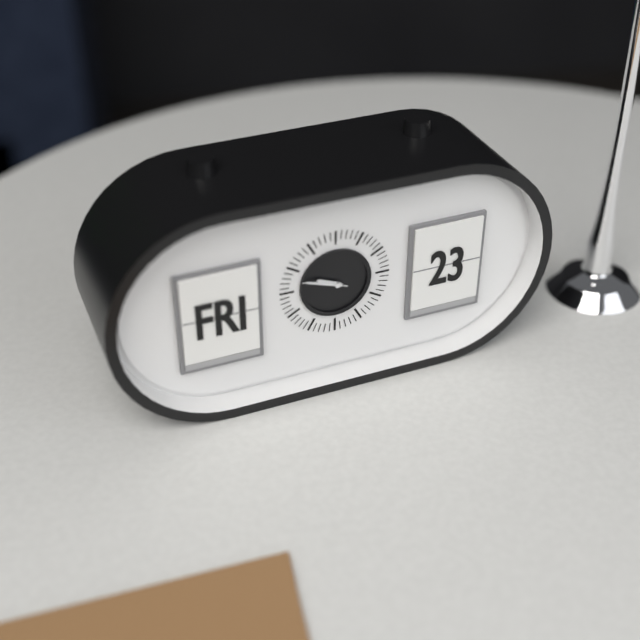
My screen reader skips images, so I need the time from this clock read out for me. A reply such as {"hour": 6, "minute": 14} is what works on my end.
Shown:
{"hour": 9, "minute": 48}
